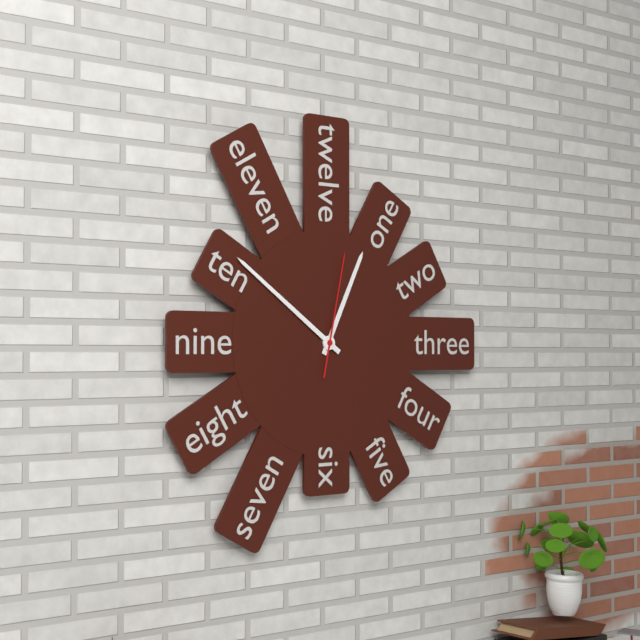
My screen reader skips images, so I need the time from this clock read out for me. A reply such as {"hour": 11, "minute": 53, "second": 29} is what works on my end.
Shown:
{"hour": 12, "minute": 51, "second": 2}
